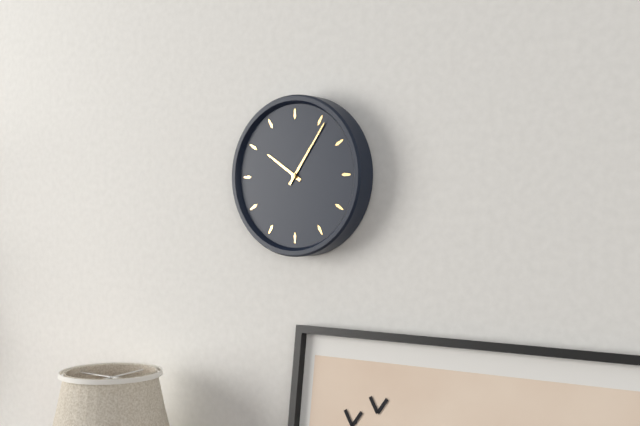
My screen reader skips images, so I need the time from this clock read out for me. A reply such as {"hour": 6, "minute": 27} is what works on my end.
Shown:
{"hour": 10, "minute": 6}
